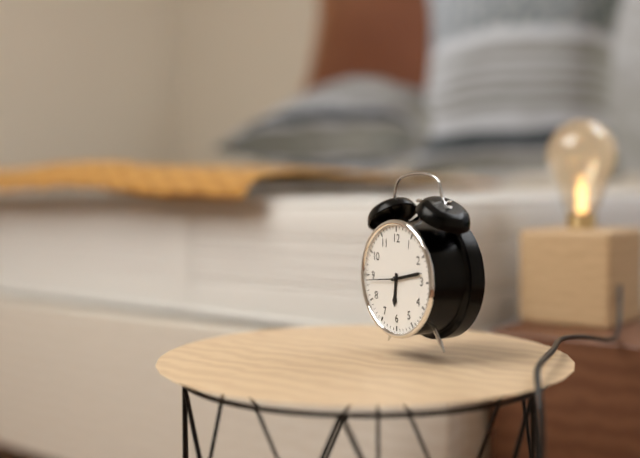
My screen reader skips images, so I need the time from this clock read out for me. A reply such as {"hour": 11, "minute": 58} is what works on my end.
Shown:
{"hour": 6, "minute": 13}
